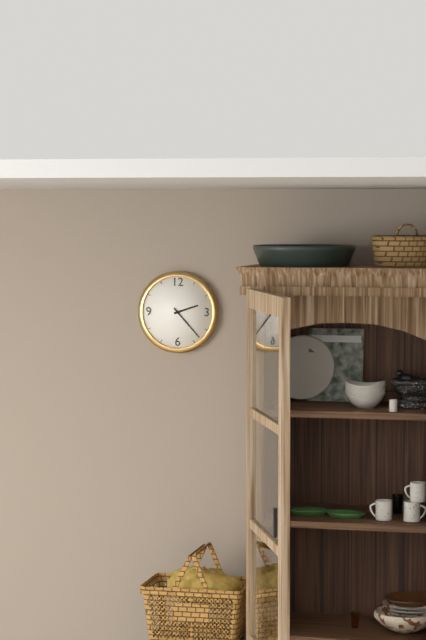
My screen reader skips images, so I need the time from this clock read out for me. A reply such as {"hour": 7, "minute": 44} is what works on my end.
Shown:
{"hour": 2, "minute": 23}
